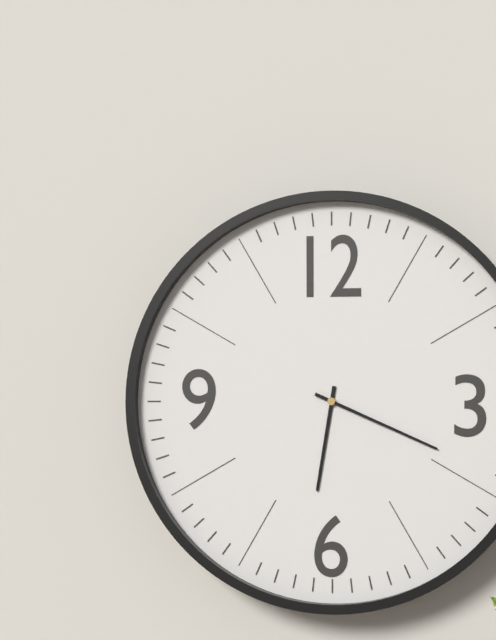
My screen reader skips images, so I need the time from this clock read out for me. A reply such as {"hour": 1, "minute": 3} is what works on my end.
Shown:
{"hour": 6, "minute": 19}
